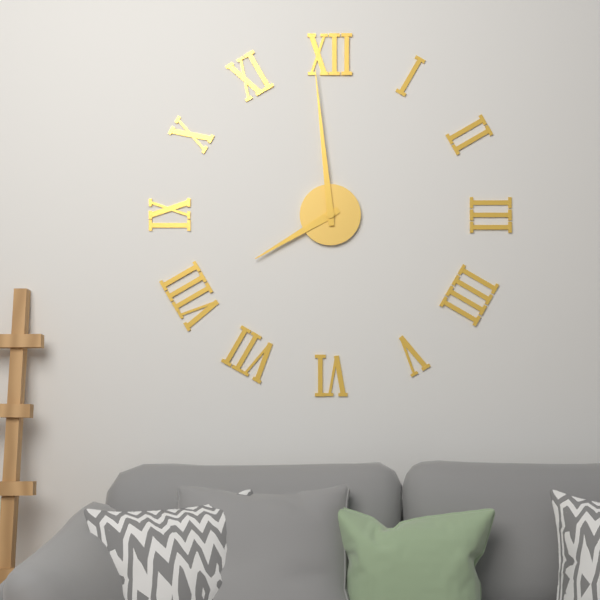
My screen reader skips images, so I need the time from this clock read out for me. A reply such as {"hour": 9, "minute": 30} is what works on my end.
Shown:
{"hour": 7, "minute": 59}
